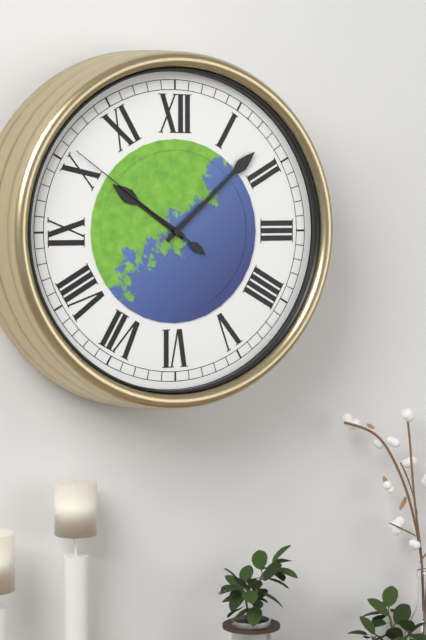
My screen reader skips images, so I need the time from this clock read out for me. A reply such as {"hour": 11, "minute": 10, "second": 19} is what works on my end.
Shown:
{"hour": 10, "minute": 8, "second": 51}
